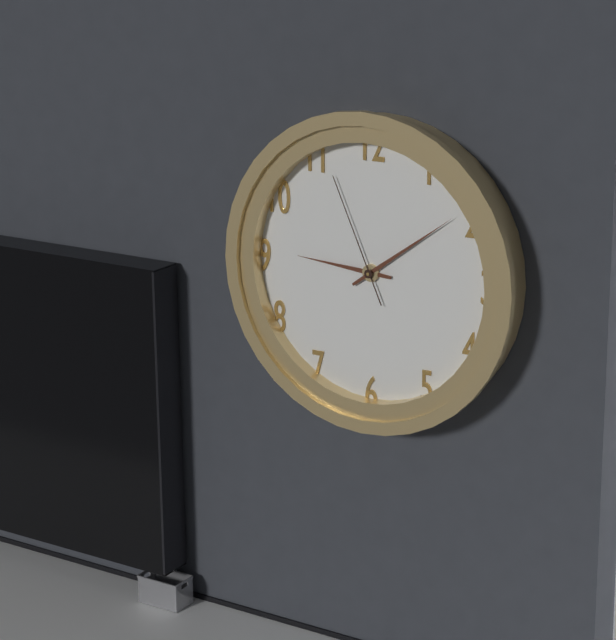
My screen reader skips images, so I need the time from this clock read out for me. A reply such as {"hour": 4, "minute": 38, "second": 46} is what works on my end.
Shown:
{"hour": 9, "minute": 9, "second": 56}
